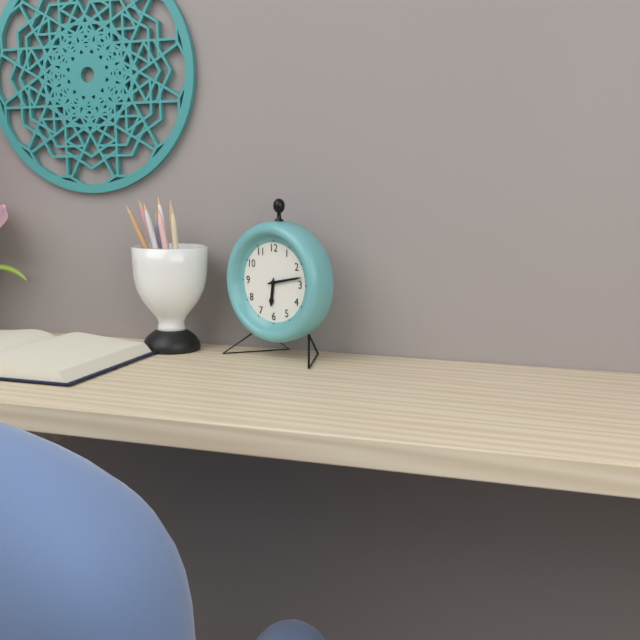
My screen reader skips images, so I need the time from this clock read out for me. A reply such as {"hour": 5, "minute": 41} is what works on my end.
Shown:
{"hour": 6, "minute": 13}
